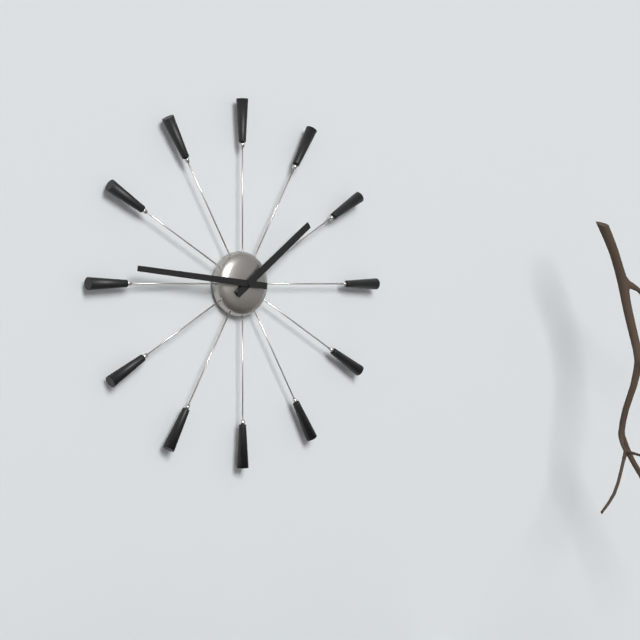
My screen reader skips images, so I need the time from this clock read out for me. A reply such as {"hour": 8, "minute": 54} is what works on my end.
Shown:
{"hour": 1, "minute": 46}
